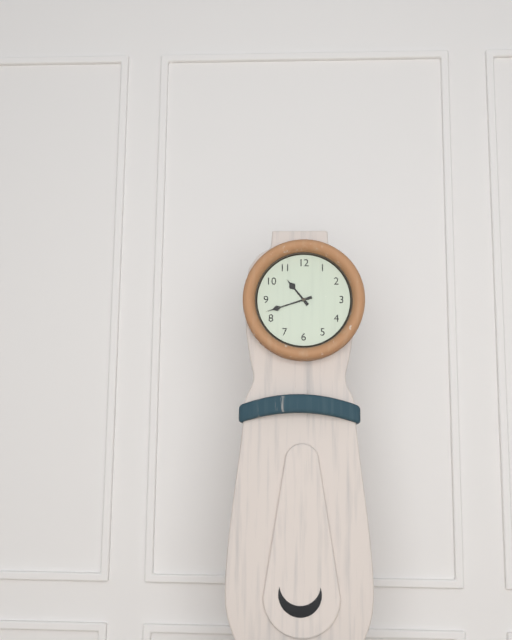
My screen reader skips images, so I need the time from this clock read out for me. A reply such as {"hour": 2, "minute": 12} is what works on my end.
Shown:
{"hour": 10, "minute": 42}
